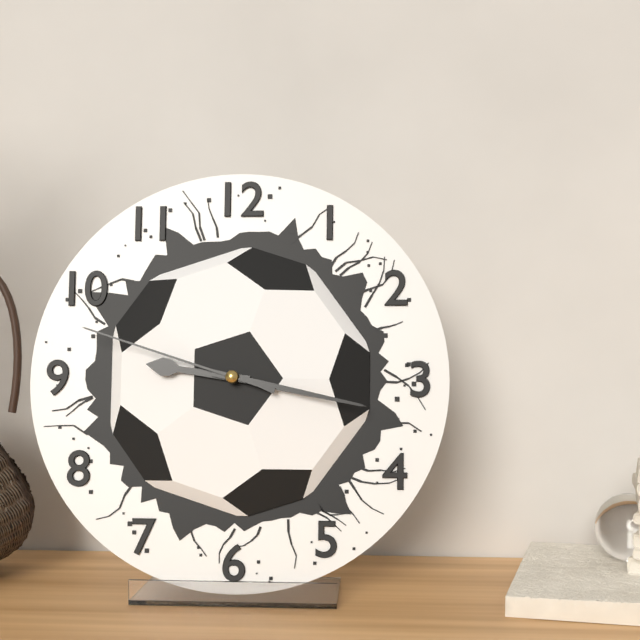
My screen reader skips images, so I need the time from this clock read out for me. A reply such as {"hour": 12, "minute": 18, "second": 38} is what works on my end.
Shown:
{"hour": 9, "minute": 17, "second": 48}
